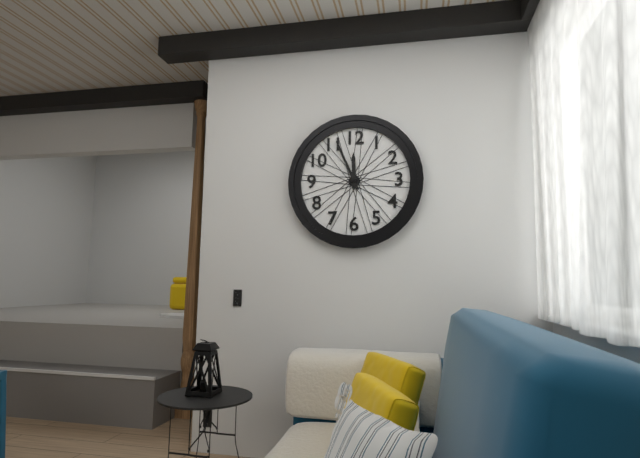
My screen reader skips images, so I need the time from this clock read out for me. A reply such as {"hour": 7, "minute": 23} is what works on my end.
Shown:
{"hour": 11, "minute": 56}
